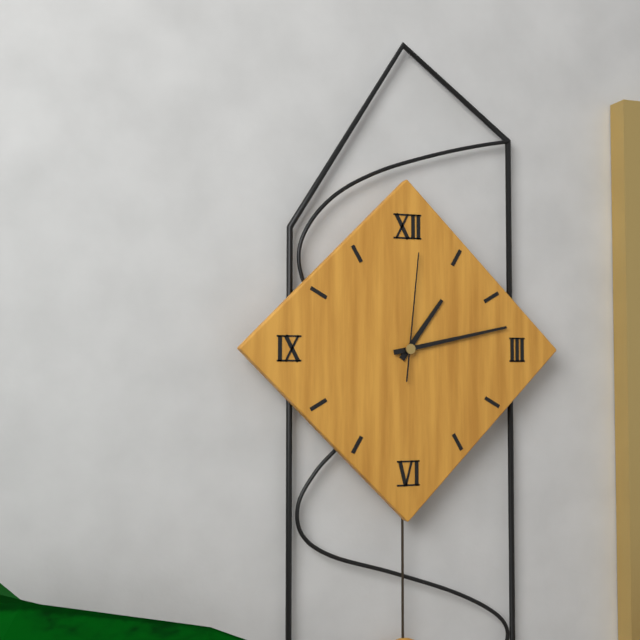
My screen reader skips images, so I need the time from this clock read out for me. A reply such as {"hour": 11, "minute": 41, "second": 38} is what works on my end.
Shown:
{"hour": 1, "minute": 13, "second": 1}
